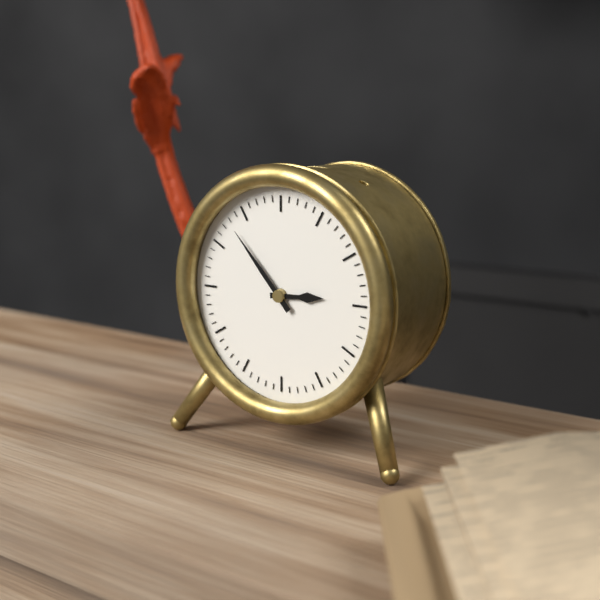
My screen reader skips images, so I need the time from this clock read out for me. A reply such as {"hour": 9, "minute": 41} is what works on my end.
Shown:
{"hour": 2, "minute": 53}
